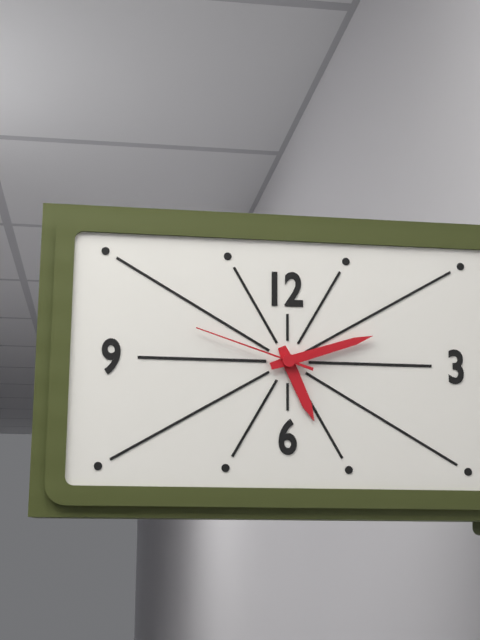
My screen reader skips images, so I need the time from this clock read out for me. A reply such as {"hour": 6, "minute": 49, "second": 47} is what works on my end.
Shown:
{"hour": 5, "minute": 12, "second": 48}
